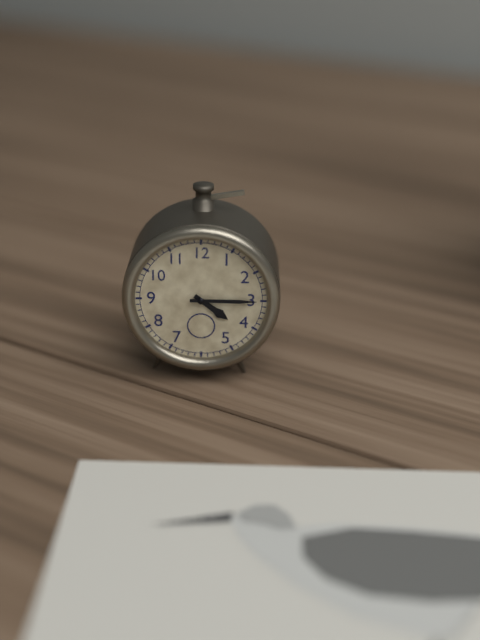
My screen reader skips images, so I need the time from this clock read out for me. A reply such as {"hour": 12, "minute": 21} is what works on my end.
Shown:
{"hour": 4, "minute": 15}
